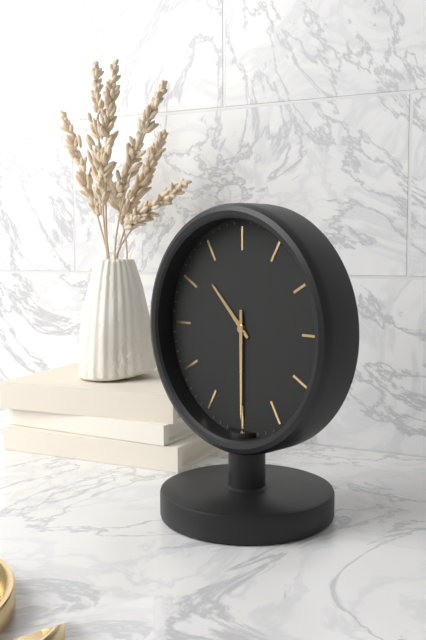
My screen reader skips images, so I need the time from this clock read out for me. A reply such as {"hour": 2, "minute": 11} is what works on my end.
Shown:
{"hour": 10, "minute": 30}
